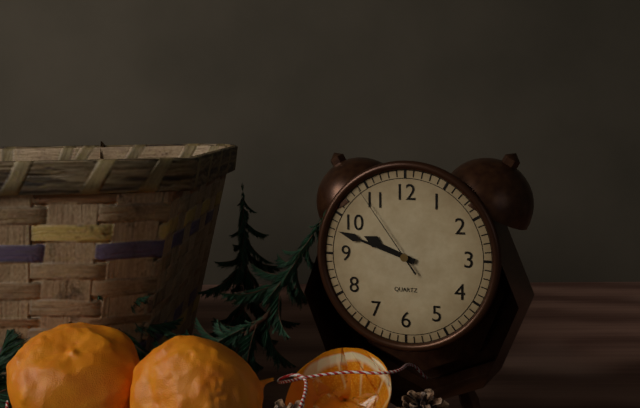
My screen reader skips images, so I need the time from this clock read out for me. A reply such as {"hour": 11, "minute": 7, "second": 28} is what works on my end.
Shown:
{"hour": 9, "minute": 48, "second": 54}
